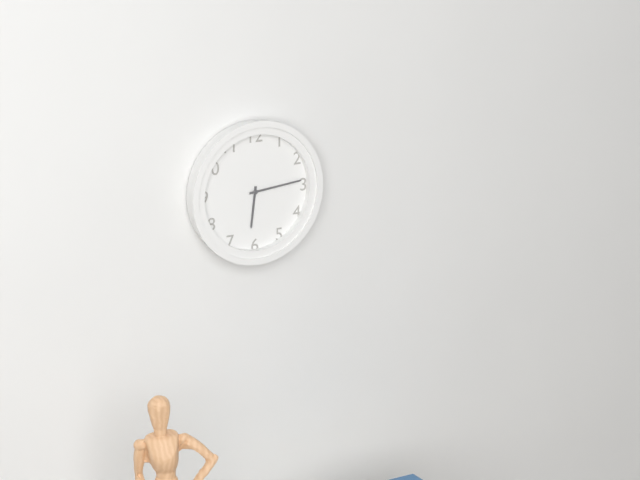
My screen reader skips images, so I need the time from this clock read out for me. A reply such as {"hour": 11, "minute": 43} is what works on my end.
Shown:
{"hour": 6, "minute": 14}
